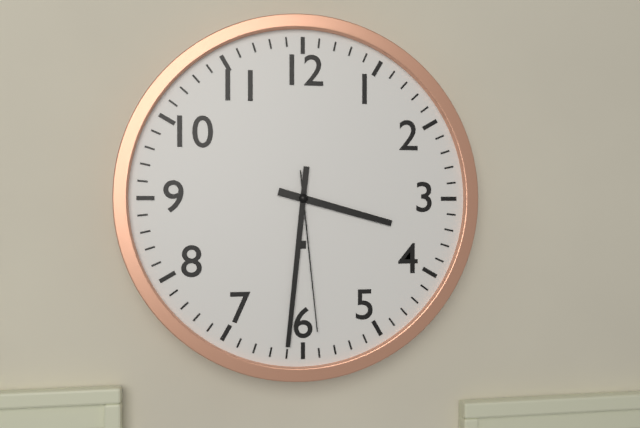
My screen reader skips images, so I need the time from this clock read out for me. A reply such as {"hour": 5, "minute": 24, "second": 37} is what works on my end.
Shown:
{"hour": 3, "minute": 31, "second": 29}
